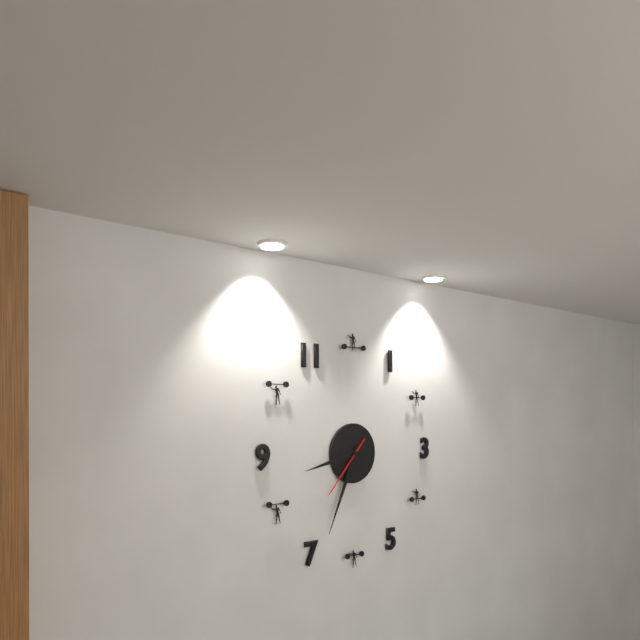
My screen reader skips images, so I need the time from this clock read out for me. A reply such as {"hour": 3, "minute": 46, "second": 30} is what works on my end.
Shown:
{"hour": 8, "minute": 34, "second": 37}
